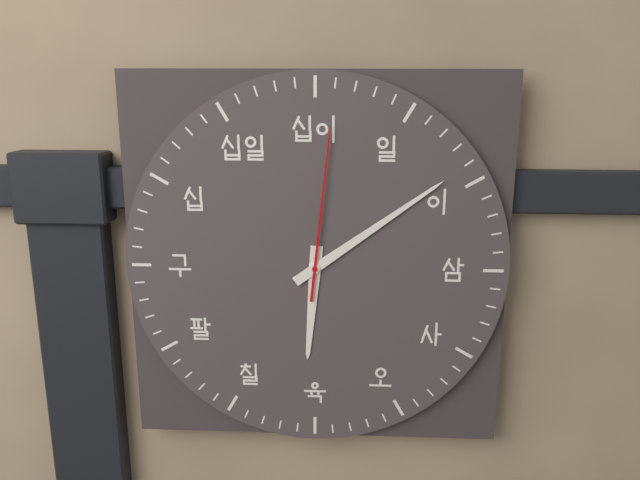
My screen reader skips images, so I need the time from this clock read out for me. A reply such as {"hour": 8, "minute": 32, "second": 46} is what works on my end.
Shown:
{"hour": 6, "minute": 9, "second": 1}
